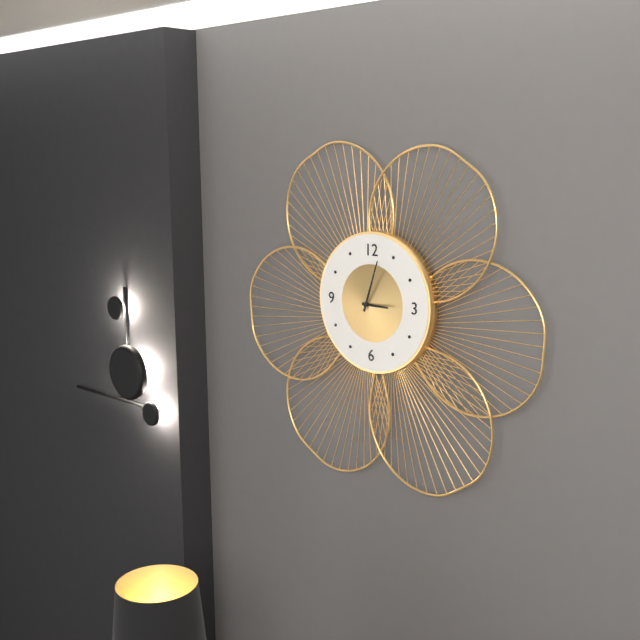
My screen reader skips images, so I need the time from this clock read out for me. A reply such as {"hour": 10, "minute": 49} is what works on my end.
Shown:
{"hour": 3, "minute": 3}
